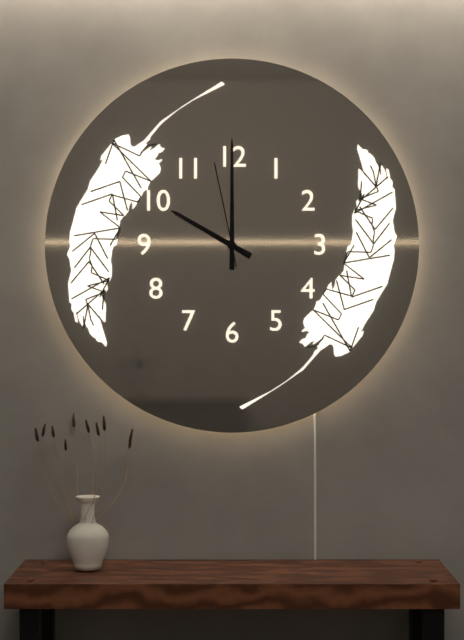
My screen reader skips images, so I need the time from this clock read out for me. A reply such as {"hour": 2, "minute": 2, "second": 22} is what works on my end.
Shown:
{"hour": 10, "minute": 0, "second": 58}
